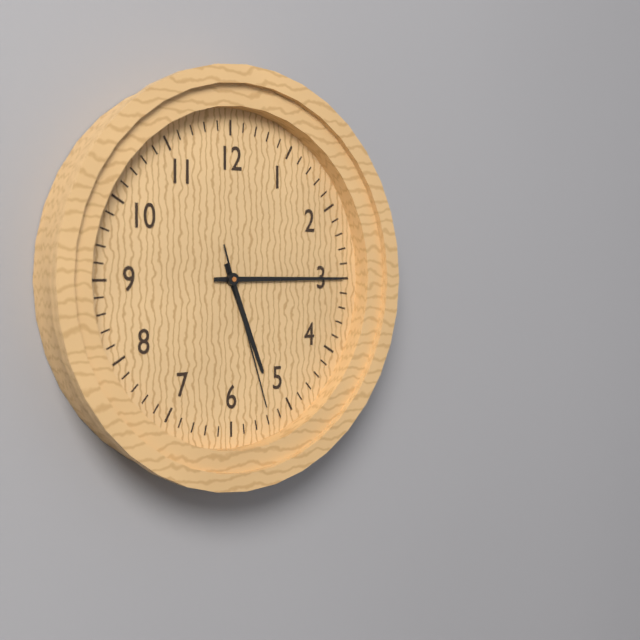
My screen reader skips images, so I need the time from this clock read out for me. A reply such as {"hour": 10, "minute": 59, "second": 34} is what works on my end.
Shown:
{"hour": 5, "minute": 15, "second": 27}
